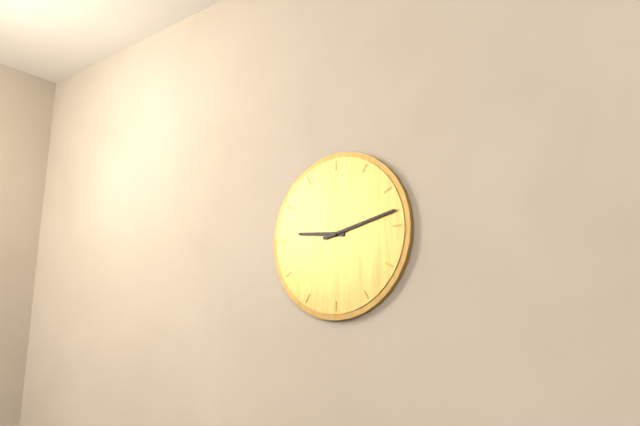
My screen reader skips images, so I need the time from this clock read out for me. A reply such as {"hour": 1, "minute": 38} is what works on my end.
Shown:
{"hour": 9, "minute": 13}
